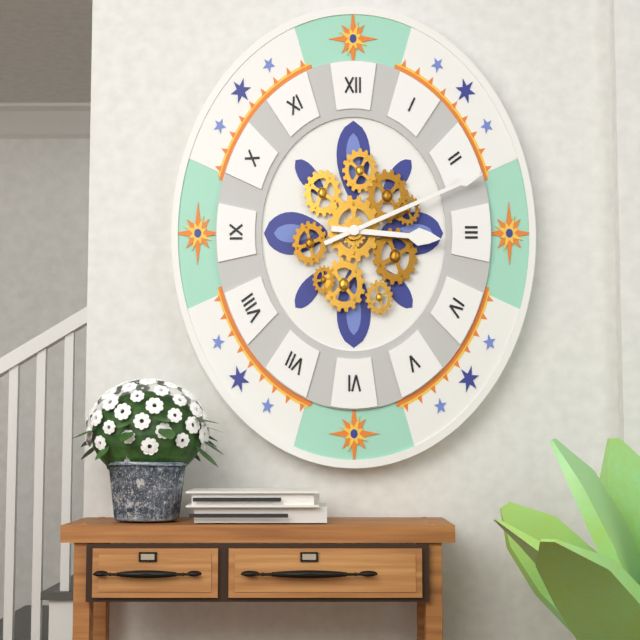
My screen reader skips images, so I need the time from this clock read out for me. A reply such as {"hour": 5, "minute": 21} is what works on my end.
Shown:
{"hour": 3, "minute": 11}
